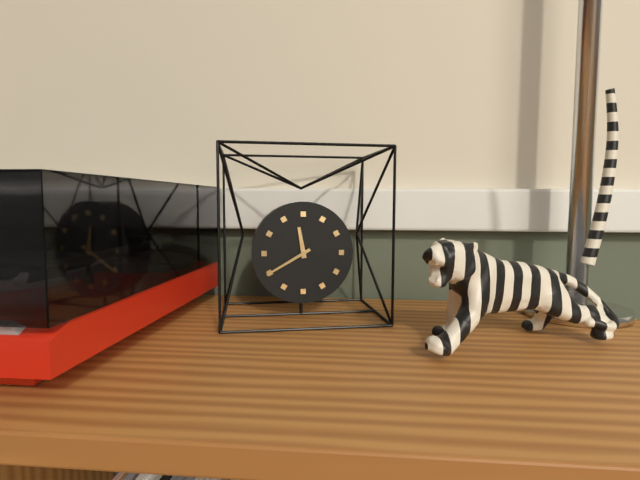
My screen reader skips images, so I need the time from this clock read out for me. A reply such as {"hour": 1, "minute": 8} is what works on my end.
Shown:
{"hour": 11, "minute": 40}
